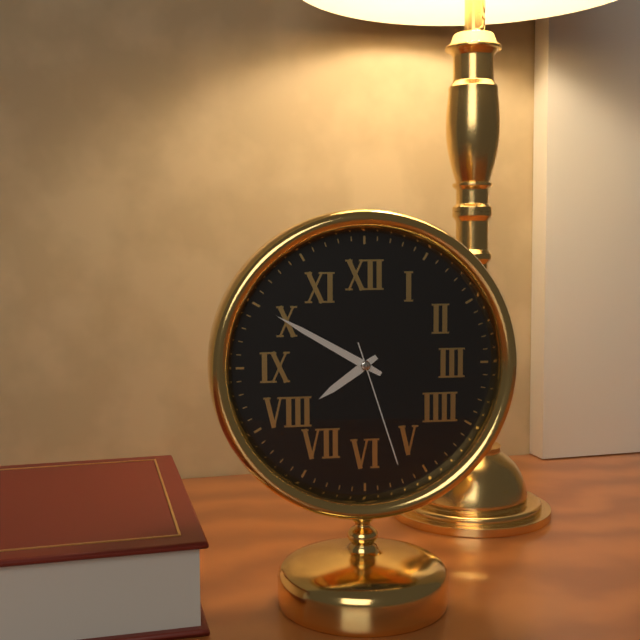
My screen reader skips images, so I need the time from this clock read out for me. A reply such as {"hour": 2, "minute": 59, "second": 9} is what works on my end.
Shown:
{"hour": 7, "minute": 50, "second": 27}
